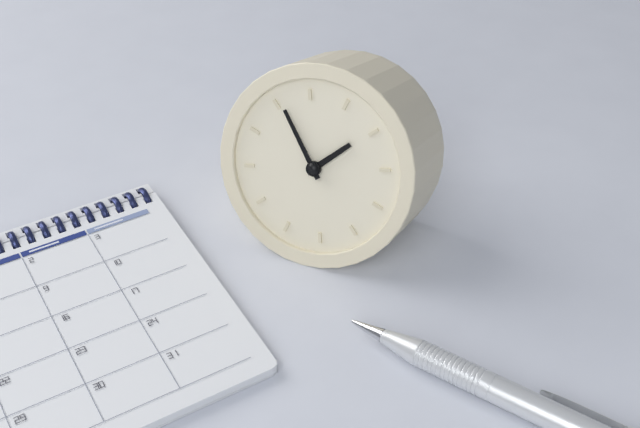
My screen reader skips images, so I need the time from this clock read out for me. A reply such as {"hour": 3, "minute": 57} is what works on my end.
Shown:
{"hour": 1, "minute": 56}
